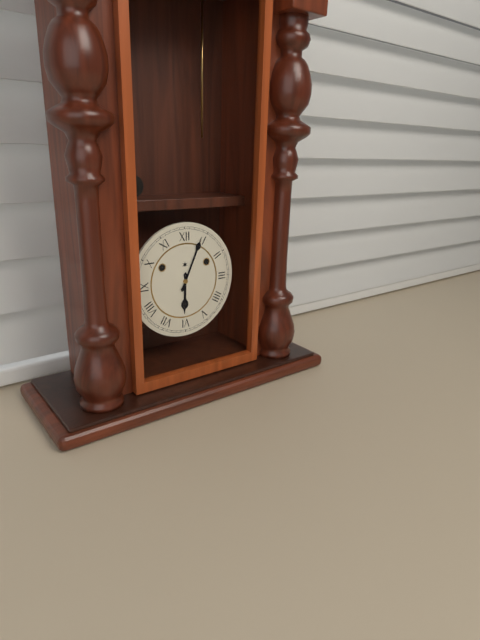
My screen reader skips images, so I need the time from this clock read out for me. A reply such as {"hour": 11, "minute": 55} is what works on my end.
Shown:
{"hour": 6, "minute": 4}
